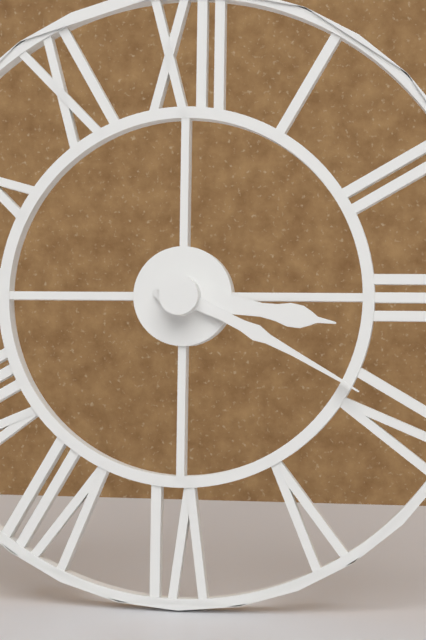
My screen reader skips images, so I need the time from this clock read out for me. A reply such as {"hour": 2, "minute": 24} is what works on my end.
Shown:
{"hour": 3, "minute": 19}
